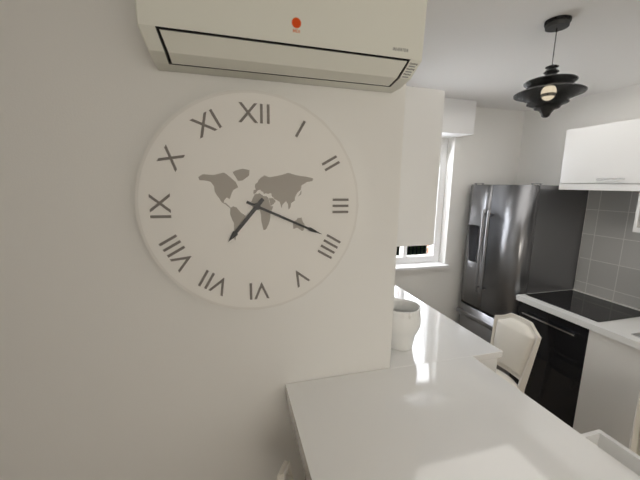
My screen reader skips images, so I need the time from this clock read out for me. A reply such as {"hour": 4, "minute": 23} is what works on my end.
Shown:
{"hour": 7, "minute": 19}
